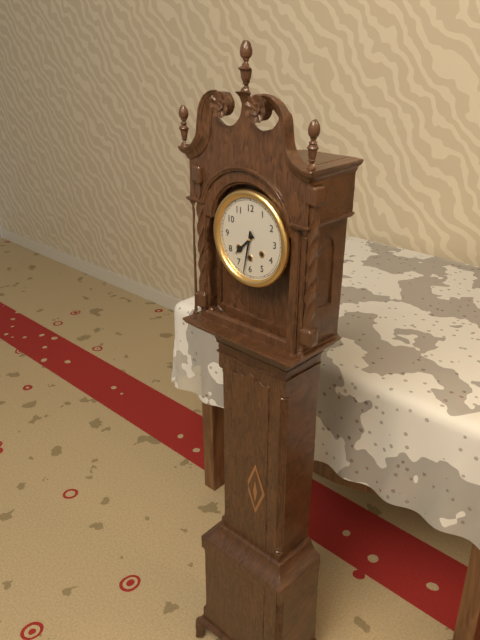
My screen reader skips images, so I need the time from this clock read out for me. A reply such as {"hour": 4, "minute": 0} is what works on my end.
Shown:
{"hour": 7, "minute": 32}
